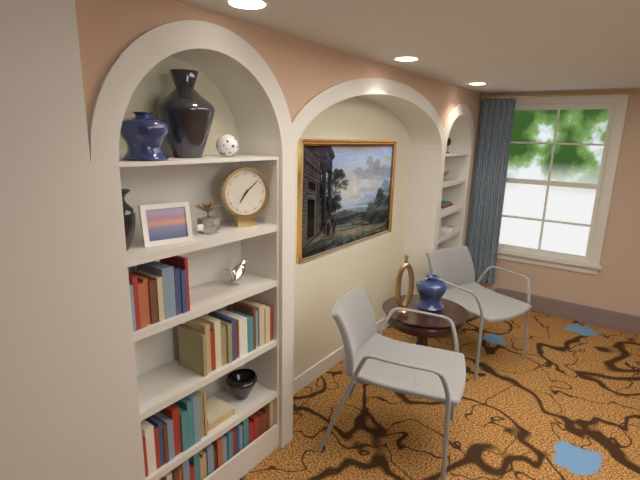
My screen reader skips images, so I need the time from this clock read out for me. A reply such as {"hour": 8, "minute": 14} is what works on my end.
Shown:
{"hour": 7, "minute": 8}
